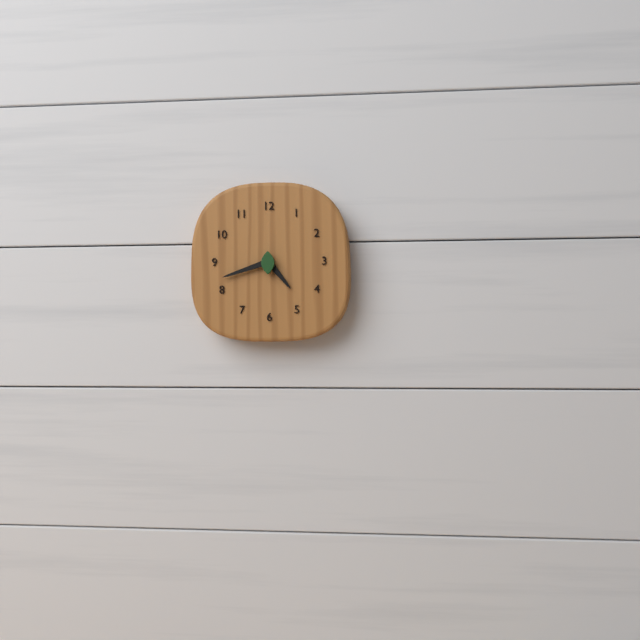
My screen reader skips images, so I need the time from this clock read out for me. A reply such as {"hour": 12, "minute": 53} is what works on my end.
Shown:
{"hour": 4, "minute": 42}
